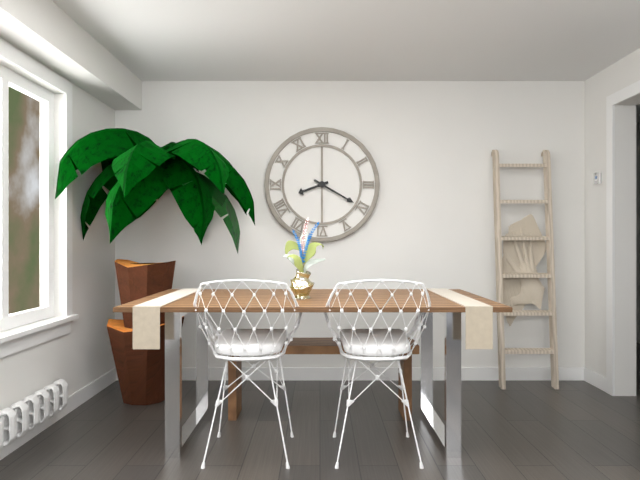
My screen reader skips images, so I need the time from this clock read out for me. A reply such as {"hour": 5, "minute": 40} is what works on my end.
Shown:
{"hour": 8, "minute": 20}
